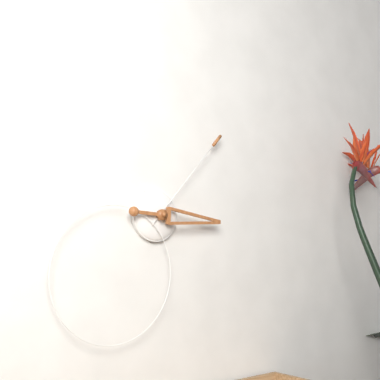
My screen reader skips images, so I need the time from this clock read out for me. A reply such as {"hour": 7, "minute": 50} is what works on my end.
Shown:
{"hour": 3, "minute": 7}
